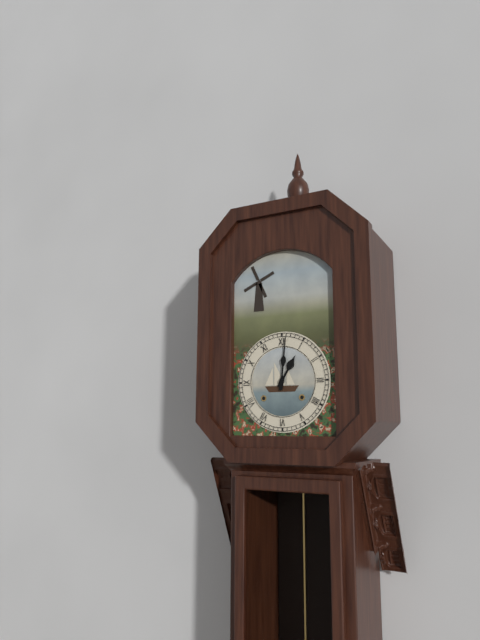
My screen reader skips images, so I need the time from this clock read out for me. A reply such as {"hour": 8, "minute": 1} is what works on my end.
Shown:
{"hour": 1, "minute": 1}
